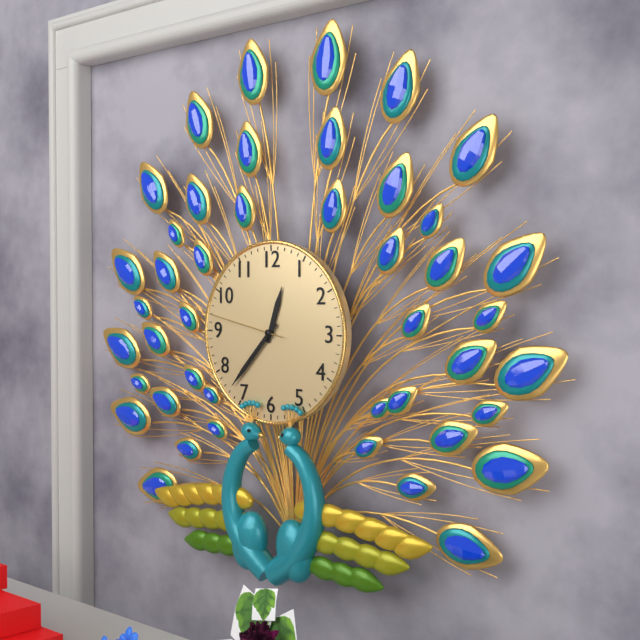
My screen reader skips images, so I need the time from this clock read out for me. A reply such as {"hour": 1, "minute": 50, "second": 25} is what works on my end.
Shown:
{"hour": 12, "minute": 37, "second": 47}
